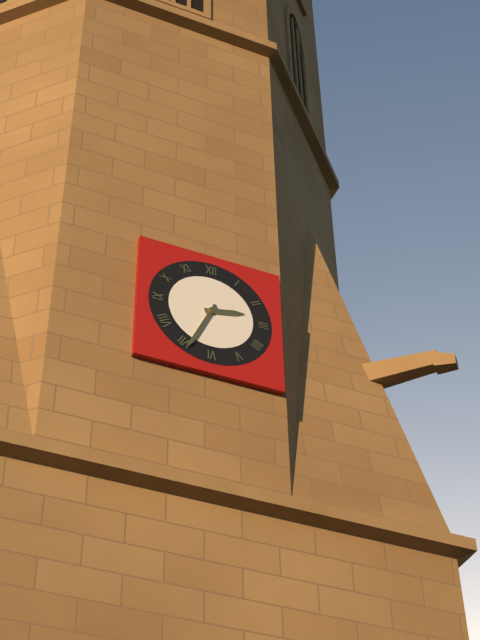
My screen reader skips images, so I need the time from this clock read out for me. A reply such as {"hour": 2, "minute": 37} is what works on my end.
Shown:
{"hour": 2, "minute": 34}
